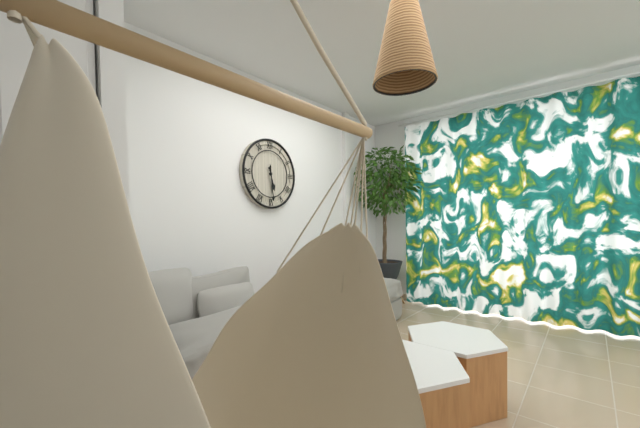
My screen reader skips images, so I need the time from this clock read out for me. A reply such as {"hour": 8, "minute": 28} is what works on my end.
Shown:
{"hour": 5, "minute": 29}
